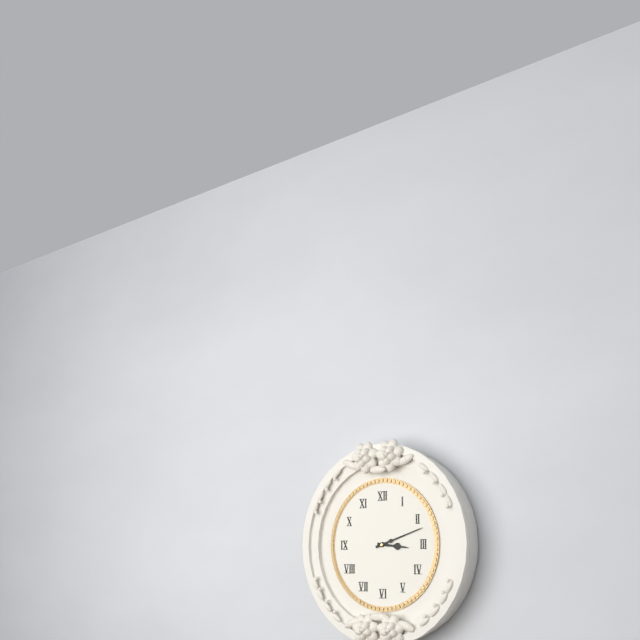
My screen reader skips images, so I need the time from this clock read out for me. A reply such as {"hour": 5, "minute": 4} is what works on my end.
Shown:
{"hour": 3, "minute": 12}
